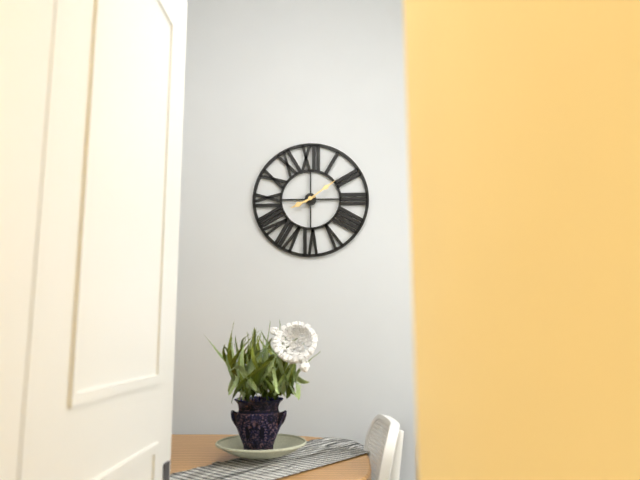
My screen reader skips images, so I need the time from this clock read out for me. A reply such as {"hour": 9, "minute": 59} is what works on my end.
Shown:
{"hour": 8, "minute": 9}
